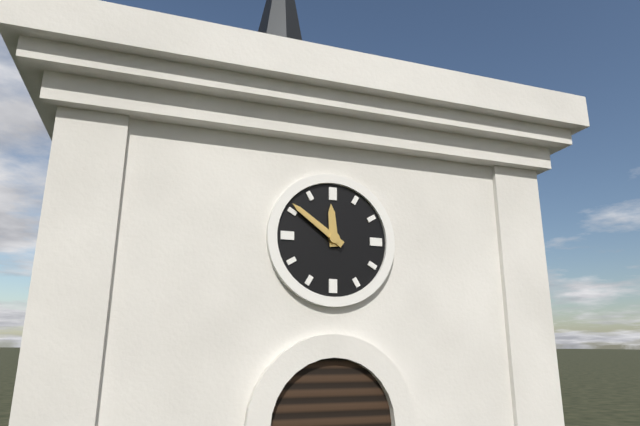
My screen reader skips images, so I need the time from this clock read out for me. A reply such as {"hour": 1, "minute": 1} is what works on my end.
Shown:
{"hour": 11, "minute": 51}
